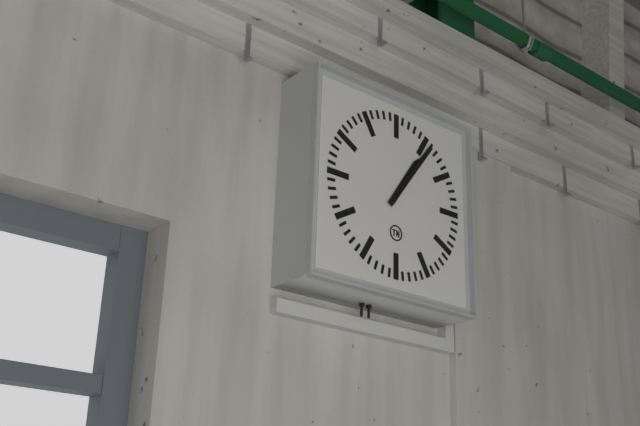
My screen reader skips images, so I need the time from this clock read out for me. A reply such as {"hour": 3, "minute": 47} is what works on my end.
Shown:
{"hour": 1, "minute": 6}
